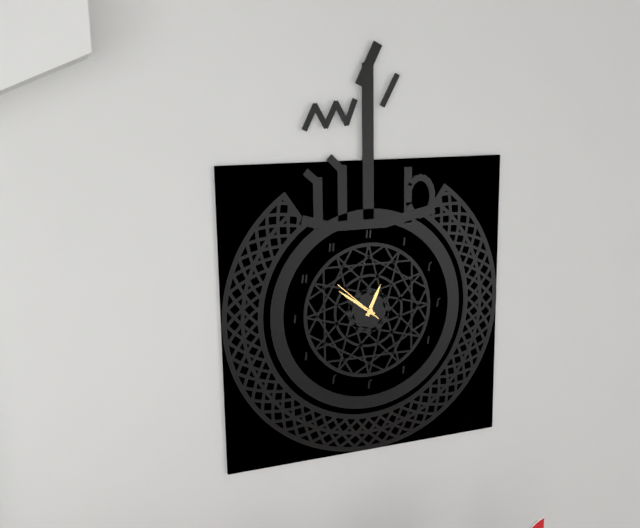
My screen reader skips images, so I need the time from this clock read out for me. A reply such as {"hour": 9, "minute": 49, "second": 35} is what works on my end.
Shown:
{"hour": 12, "minute": 51, "second": 52}
